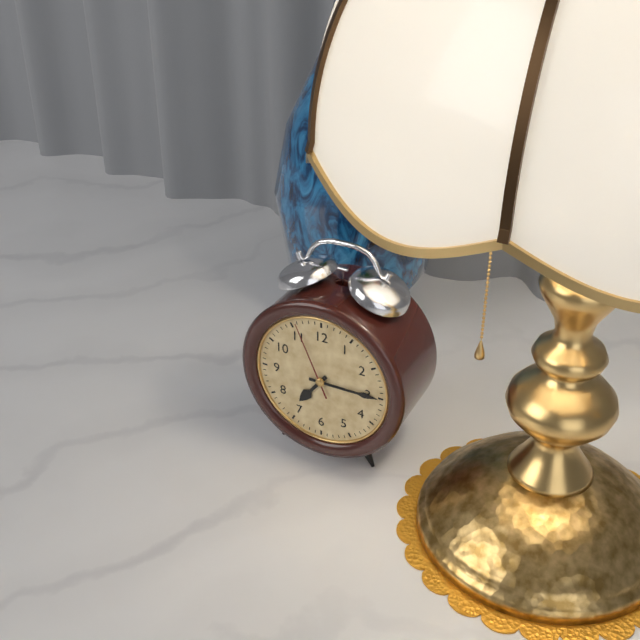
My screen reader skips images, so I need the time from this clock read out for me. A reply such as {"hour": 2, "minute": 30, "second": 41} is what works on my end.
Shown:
{"hour": 7, "minute": 15, "second": 56}
